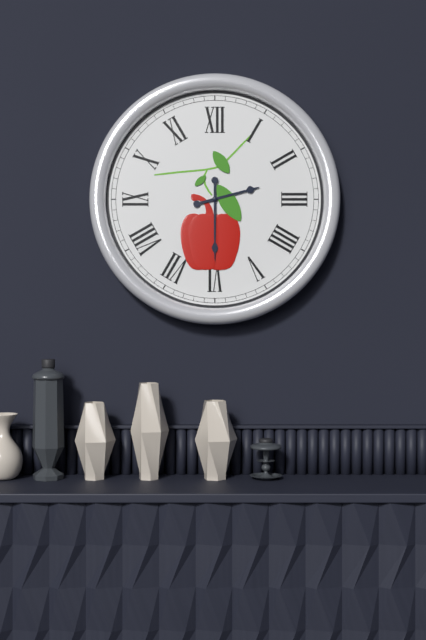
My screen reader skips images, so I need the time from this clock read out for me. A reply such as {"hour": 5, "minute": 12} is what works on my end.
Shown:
{"hour": 2, "minute": 30}
